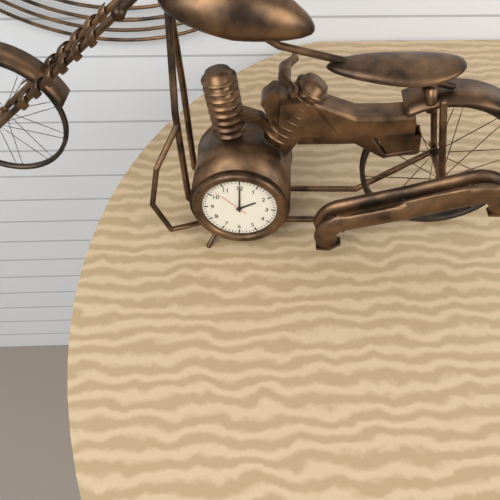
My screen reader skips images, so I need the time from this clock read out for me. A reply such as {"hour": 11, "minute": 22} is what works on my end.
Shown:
{"hour": 2, "minute": 0}
